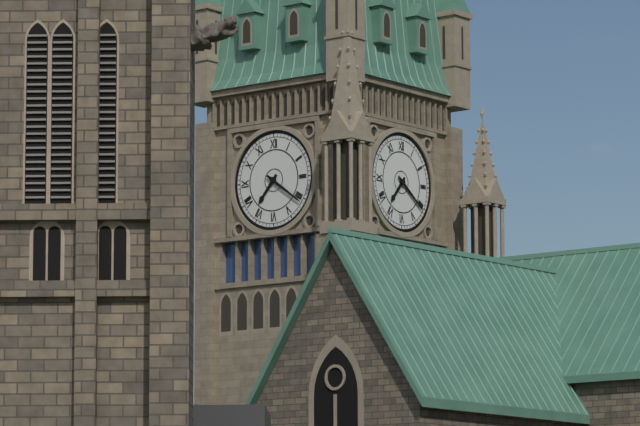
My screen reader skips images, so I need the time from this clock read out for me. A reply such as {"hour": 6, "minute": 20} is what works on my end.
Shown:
{"hour": 7, "minute": 21}
